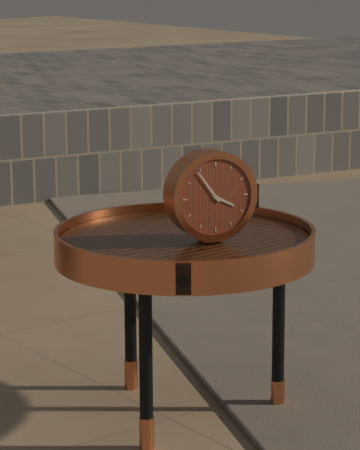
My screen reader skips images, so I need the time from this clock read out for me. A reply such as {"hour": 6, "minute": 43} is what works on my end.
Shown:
{"hour": 3, "minute": 54}
